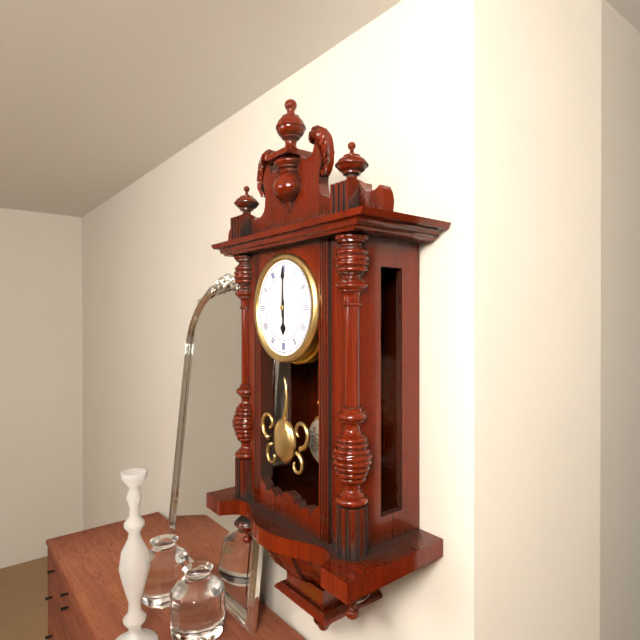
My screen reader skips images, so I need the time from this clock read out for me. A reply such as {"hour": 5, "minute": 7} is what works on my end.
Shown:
{"hour": 6, "minute": 0}
